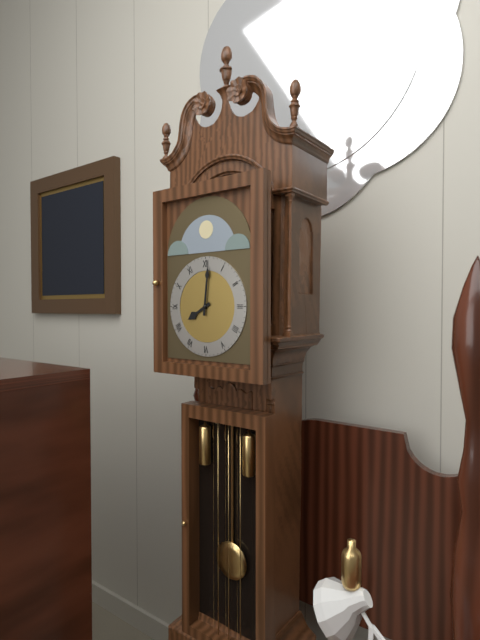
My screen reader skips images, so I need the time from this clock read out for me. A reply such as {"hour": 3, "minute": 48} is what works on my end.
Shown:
{"hour": 8, "minute": 1}
